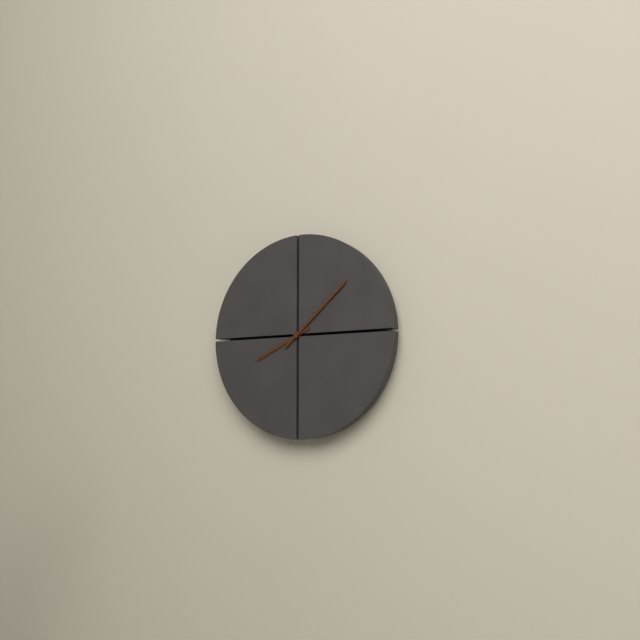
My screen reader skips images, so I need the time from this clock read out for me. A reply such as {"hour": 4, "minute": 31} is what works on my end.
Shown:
{"hour": 8, "minute": 8}
